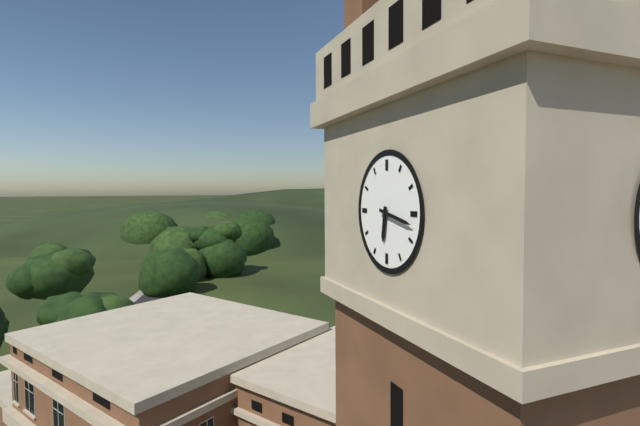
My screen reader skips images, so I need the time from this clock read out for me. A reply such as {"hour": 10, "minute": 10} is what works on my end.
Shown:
{"hour": 6, "minute": 17}
